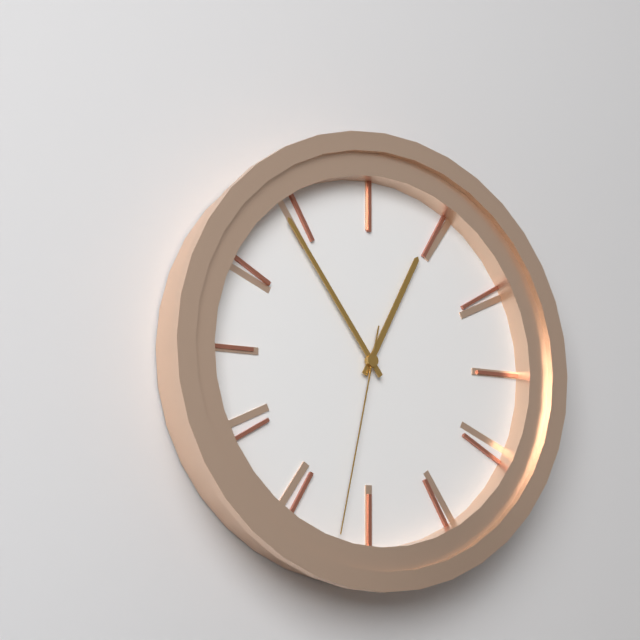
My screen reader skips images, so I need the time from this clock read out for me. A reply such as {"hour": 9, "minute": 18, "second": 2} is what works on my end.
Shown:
{"hour": 12, "minute": 54, "second": 32}
